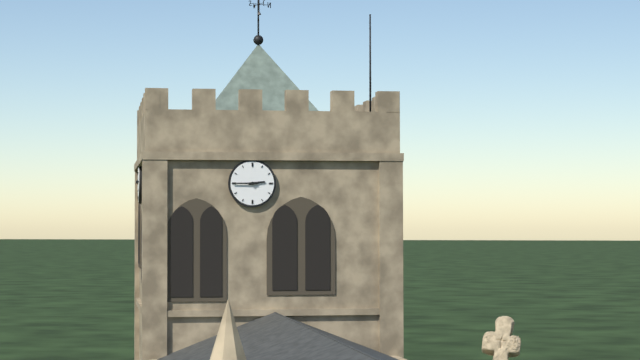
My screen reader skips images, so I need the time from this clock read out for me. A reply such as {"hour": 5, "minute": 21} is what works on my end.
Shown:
{"hour": 2, "minute": 45}
